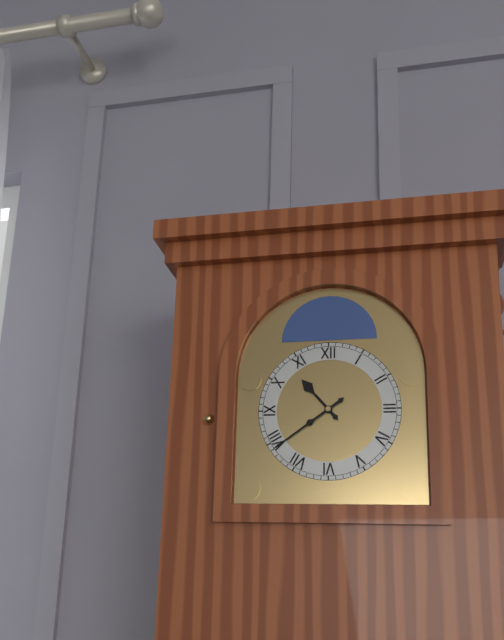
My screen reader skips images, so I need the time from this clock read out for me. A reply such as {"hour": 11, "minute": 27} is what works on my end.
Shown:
{"hour": 10, "minute": 39}
